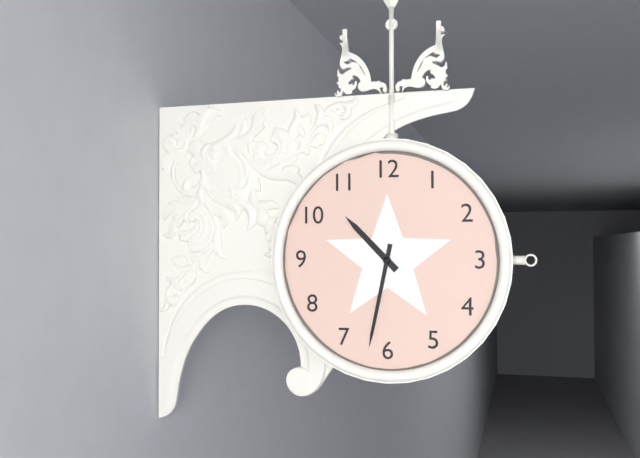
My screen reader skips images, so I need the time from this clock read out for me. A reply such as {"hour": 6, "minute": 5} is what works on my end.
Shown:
{"hour": 10, "minute": 32}
